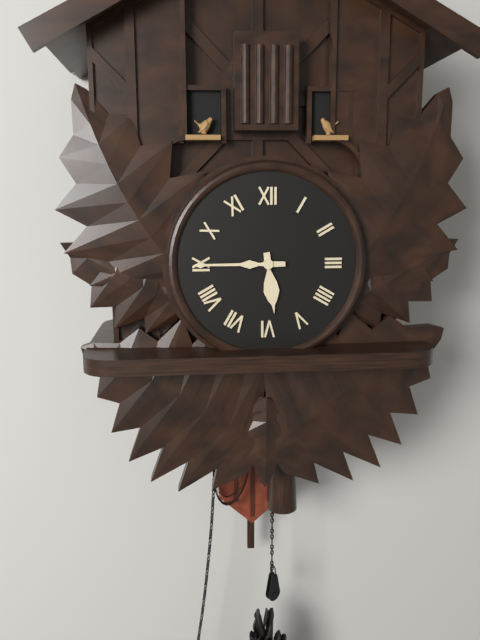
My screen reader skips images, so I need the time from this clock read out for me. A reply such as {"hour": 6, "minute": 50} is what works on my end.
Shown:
{"hour": 5, "minute": 45}
